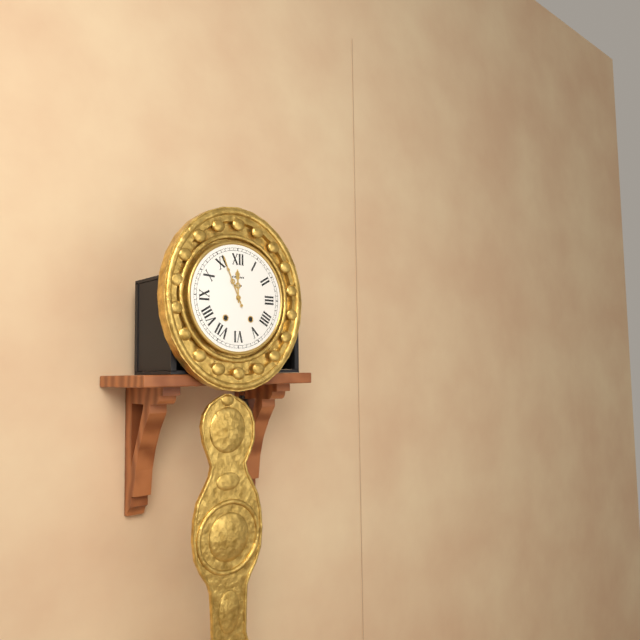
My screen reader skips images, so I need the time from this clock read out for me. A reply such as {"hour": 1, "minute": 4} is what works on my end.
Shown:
{"hour": 11, "minute": 56}
